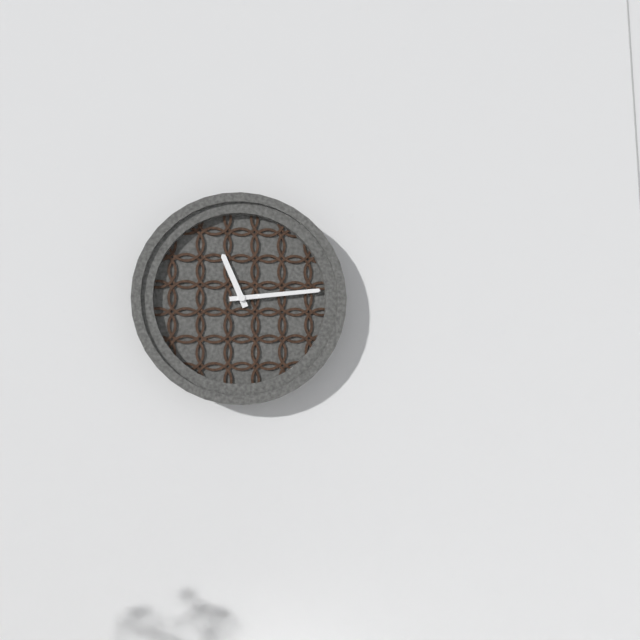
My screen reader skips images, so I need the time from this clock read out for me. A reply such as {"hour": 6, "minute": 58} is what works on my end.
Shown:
{"hour": 11, "minute": 14}
